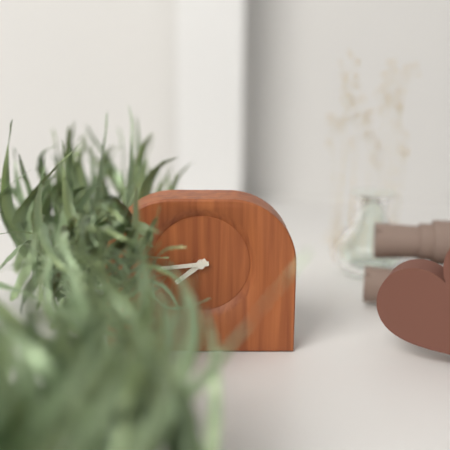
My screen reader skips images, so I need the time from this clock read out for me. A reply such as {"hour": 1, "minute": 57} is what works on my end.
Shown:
{"hour": 7, "minute": 44}
